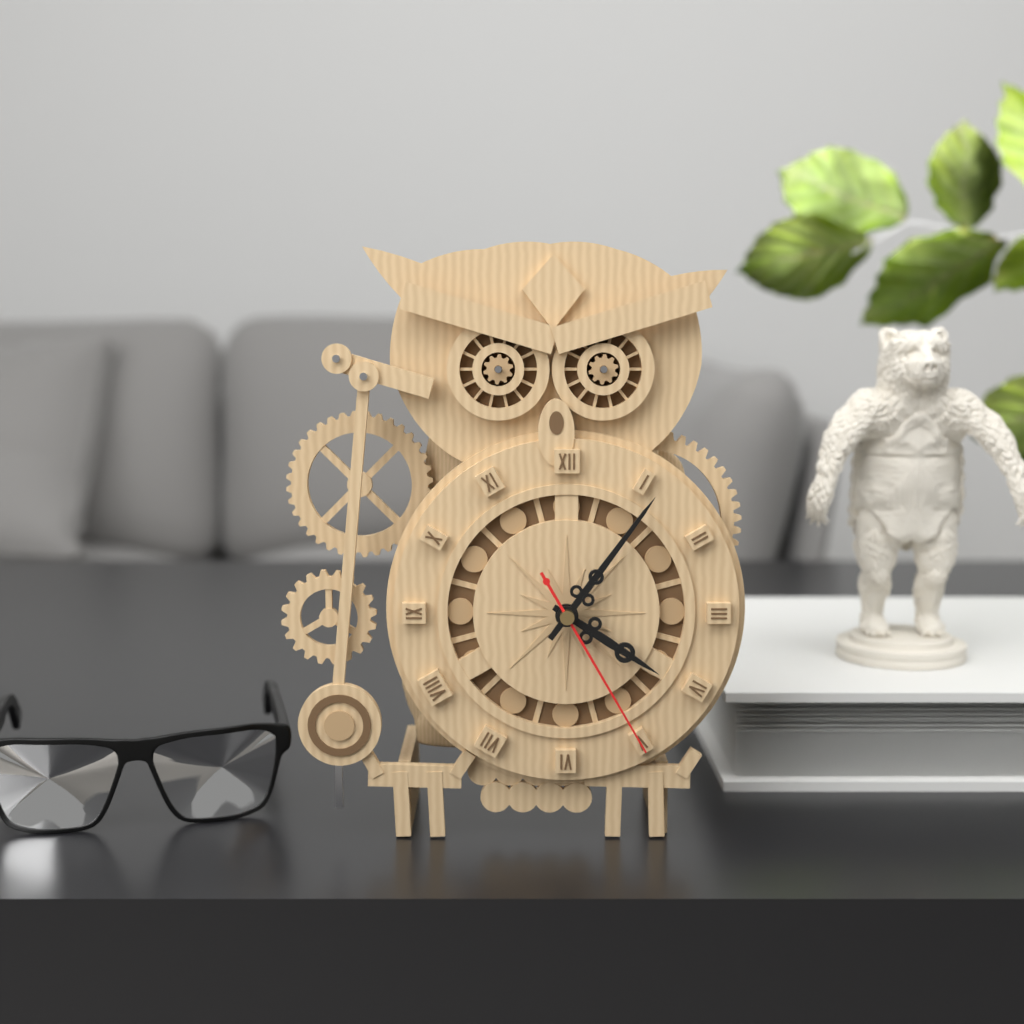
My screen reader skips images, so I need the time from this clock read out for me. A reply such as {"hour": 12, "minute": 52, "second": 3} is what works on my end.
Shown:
{"hour": 4, "minute": 6, "second": 25}
